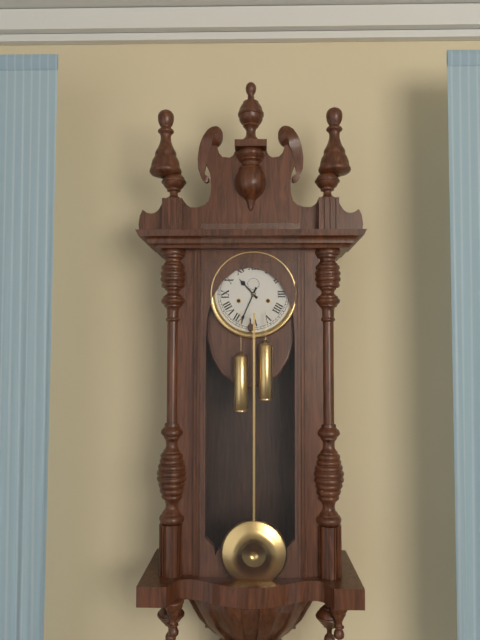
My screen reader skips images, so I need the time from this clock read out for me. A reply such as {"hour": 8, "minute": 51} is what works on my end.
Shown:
{"hour": 10, "minute": 34}
